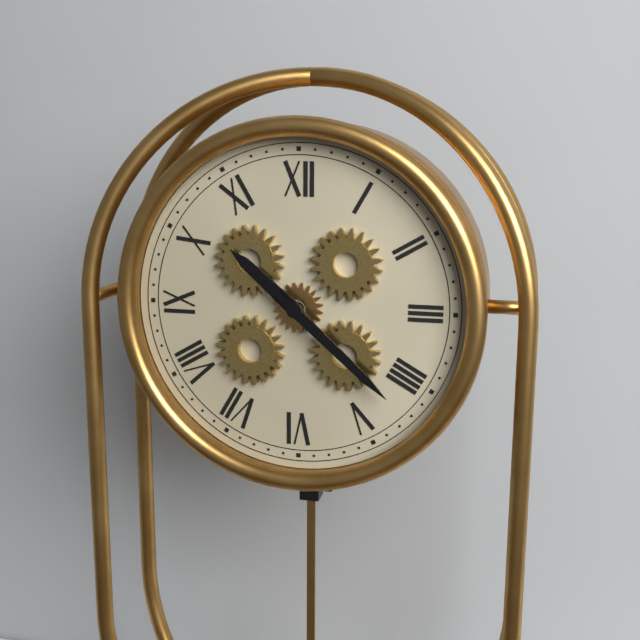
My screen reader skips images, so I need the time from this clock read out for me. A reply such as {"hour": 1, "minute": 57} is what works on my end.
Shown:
{"hour": 10, "minute": 22}
